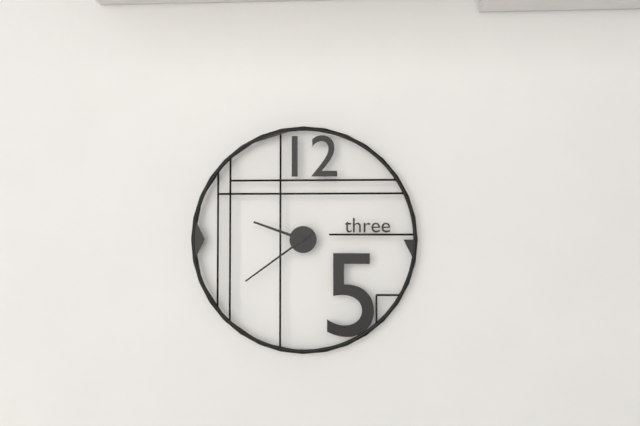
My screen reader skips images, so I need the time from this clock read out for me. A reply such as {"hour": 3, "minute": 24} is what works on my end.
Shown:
{"hour": 9, "minute": 39}
